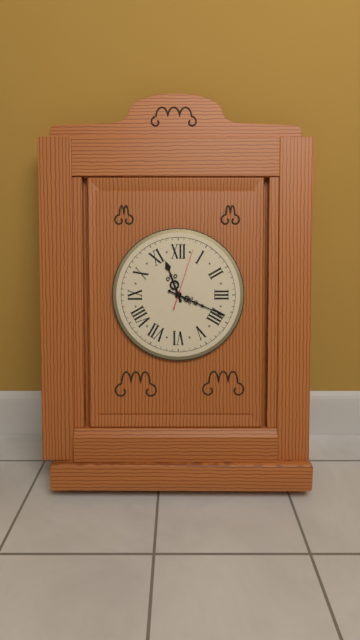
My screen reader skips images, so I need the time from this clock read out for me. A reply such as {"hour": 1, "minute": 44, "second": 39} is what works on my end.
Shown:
{"hour": 11, "minute": 19, "second": 3}
